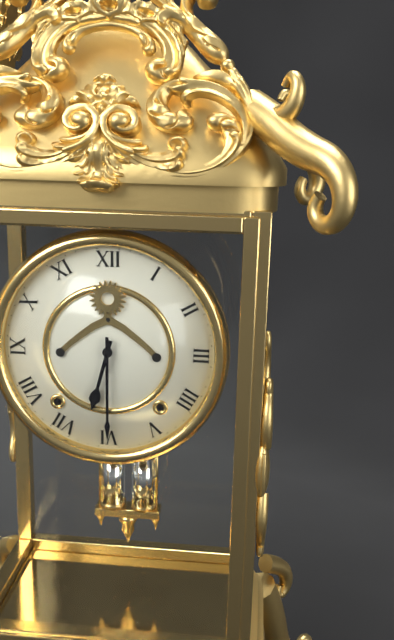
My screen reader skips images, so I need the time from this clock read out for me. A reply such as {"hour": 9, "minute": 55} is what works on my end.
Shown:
{"hour": 6, "minute": 30}
